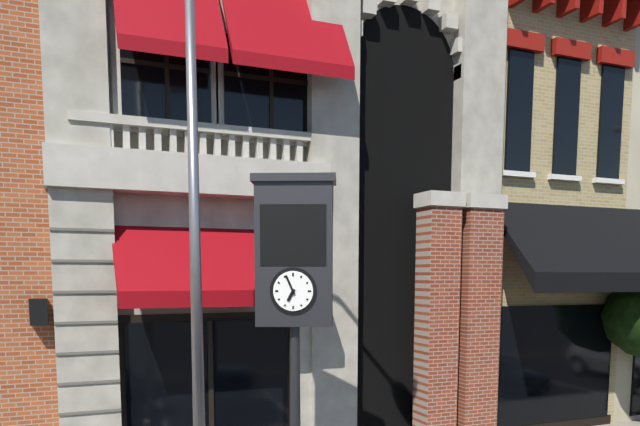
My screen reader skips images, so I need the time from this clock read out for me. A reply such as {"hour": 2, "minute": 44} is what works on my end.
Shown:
{"hour": 6, "minute": 56}
